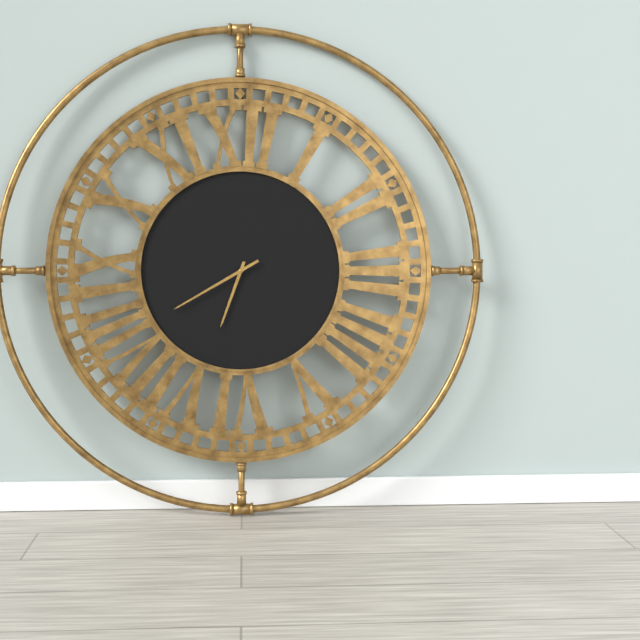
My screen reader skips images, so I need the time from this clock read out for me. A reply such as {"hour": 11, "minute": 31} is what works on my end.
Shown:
{"hour": 6, "minute": 40}
